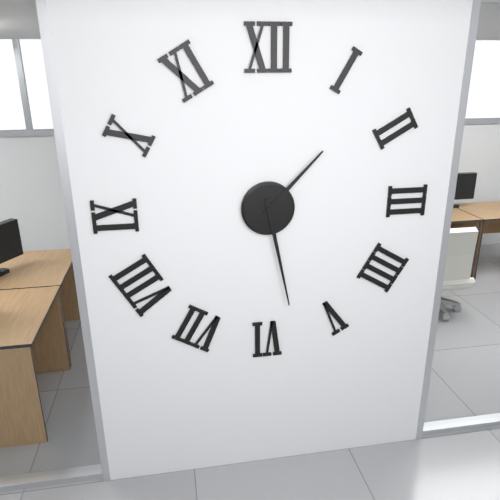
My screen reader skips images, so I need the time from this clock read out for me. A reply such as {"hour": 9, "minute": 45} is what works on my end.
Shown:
{"hour": 1, "minute": 28}
